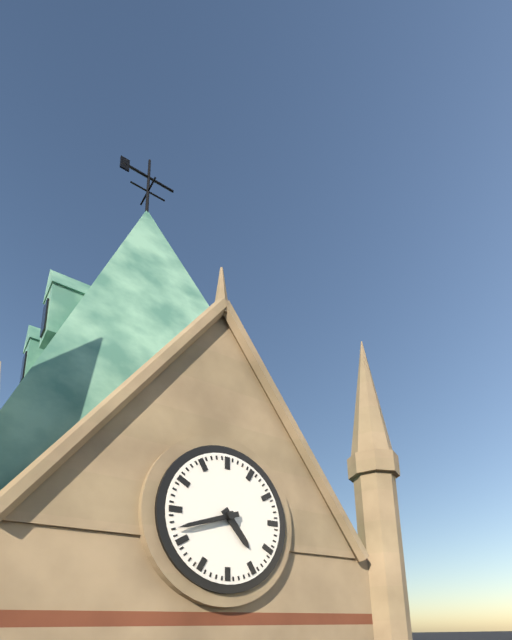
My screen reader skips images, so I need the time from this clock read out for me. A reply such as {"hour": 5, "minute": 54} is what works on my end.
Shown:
{"hour": 4, "minute": 42}
